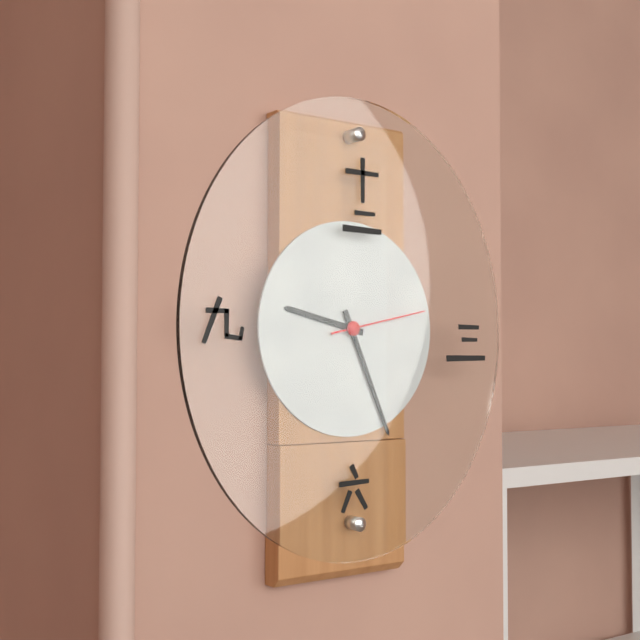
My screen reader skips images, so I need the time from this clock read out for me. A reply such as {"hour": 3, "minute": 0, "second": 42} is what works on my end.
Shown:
{"hour": 9, "minute": 26, "second": 13}
